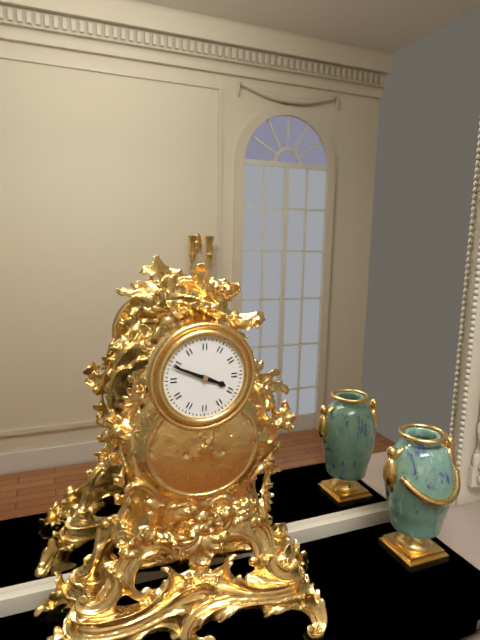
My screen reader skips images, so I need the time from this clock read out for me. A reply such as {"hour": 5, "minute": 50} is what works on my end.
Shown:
{"hour": 3, "minute": 49}
